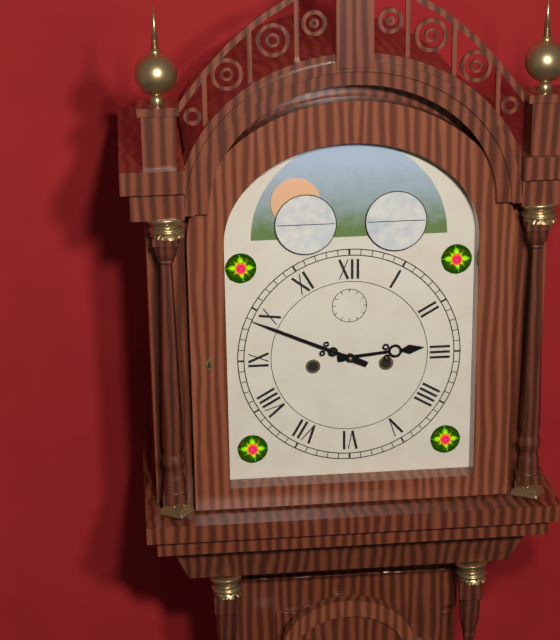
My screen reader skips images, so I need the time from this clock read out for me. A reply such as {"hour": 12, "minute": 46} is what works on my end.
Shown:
{"hour": 2, "minute": 49}
